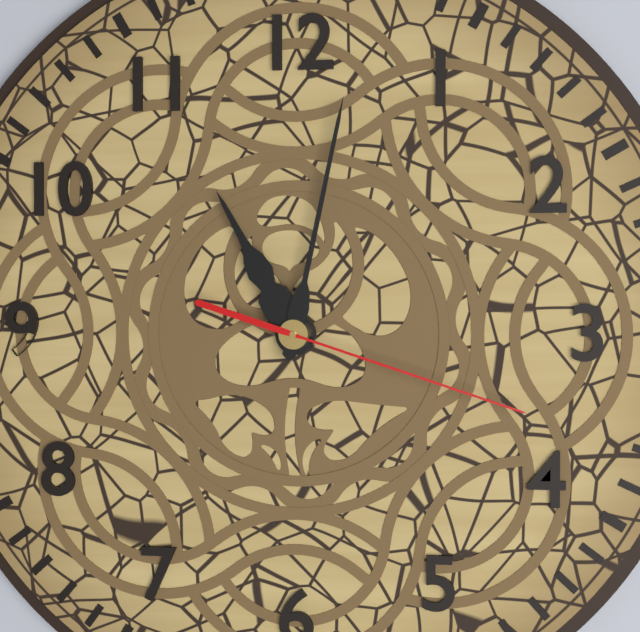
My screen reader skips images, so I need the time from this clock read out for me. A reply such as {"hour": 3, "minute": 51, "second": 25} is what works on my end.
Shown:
{"hour": 11, "minute": 2, "second": 18}
